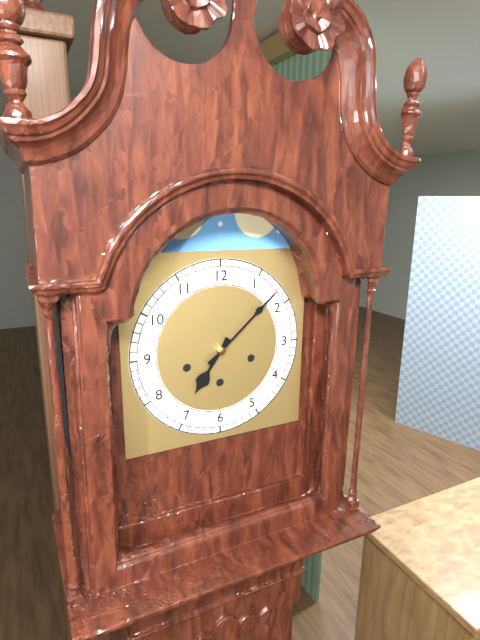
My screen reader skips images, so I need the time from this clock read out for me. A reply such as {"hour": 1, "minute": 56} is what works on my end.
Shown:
{"hour": 7, "minute": 8}
